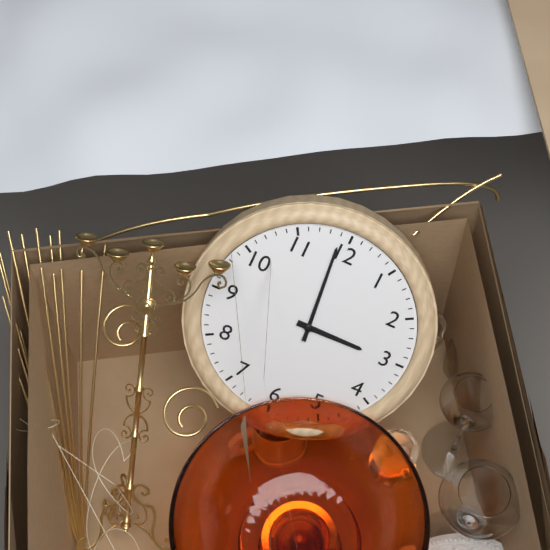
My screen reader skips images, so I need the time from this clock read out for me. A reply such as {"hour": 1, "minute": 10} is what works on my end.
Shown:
{"hour": 2, "minute": 59}
